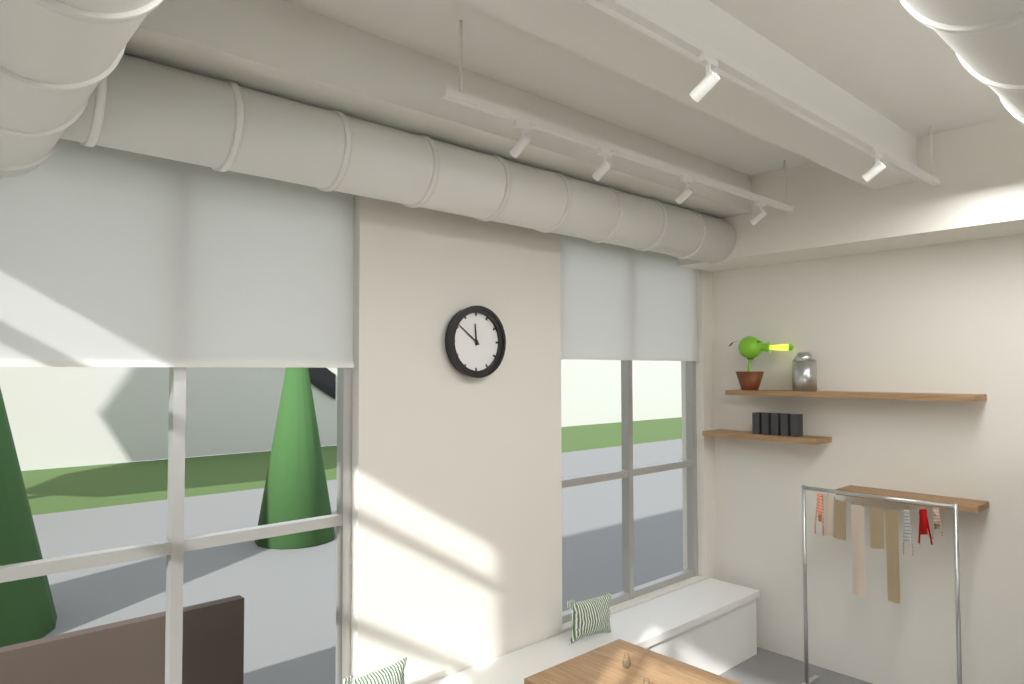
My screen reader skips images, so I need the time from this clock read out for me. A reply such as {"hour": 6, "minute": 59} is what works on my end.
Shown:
{"hour": 11, "minute": 51}
